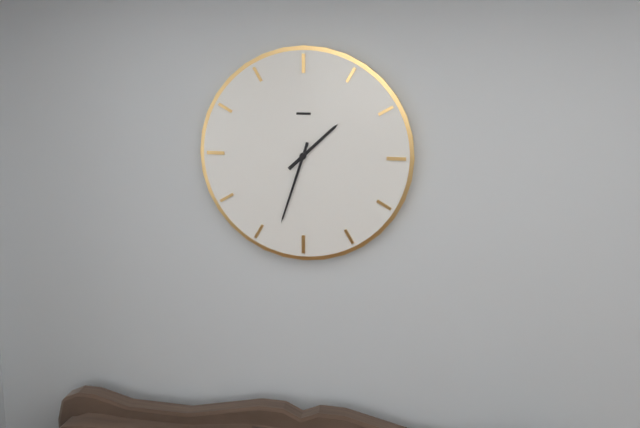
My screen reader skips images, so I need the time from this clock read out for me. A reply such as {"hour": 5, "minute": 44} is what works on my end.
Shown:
{"hour": 1, "minute": 33}
